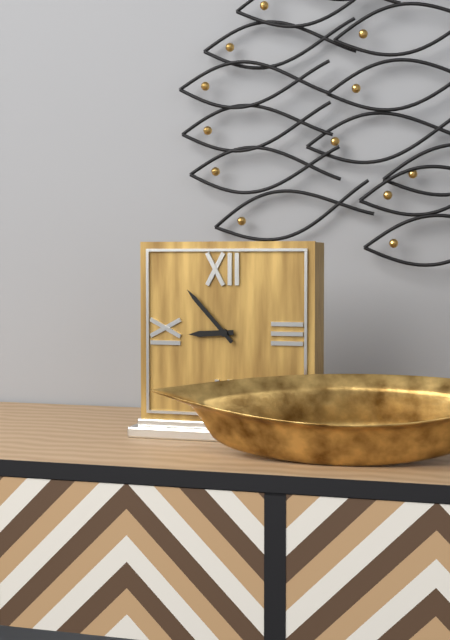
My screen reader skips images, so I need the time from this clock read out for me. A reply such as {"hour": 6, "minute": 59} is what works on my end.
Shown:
{"hour": 8, "minute": 53}
